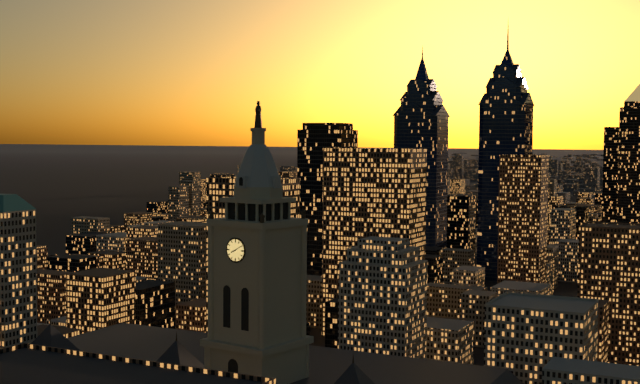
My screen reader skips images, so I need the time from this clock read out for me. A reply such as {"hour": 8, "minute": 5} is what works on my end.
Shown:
{"hour": 8, "minute": 10}
